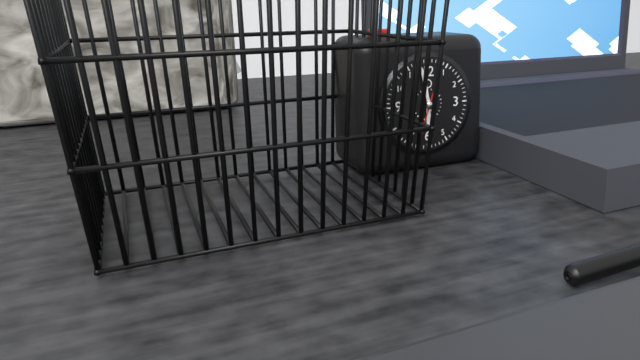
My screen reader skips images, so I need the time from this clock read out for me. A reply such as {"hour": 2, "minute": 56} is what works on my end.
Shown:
{"hour": 5, "minute": 58}
